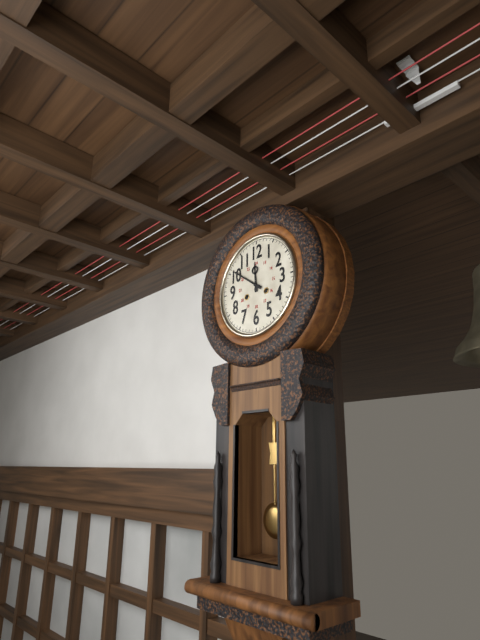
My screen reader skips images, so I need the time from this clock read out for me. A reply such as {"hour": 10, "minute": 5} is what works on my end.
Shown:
{"hour": 11, "minute": 51}
